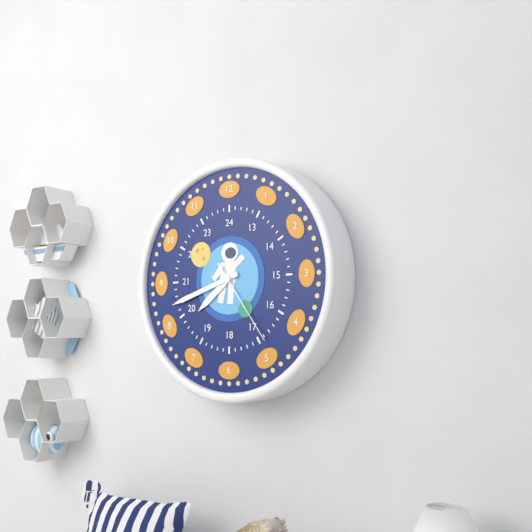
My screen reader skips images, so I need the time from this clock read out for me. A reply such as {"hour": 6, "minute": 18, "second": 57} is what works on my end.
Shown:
{"hour": 7, "minute": 42, "second": 24}
